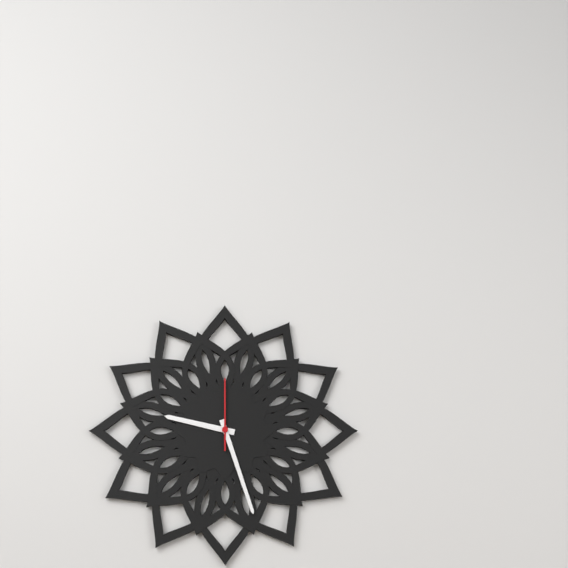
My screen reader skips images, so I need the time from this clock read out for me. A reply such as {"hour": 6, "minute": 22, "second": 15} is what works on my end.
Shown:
{"hour": 9, "minute": 27, "second": 0}
